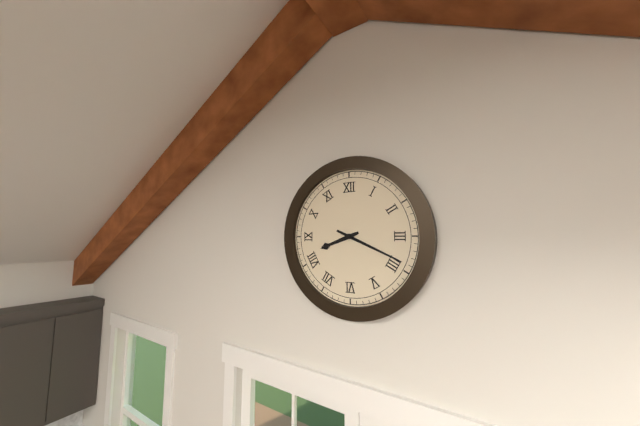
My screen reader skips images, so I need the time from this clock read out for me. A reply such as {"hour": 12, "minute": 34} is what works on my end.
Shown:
{"hour": 8, "minute": 19}
